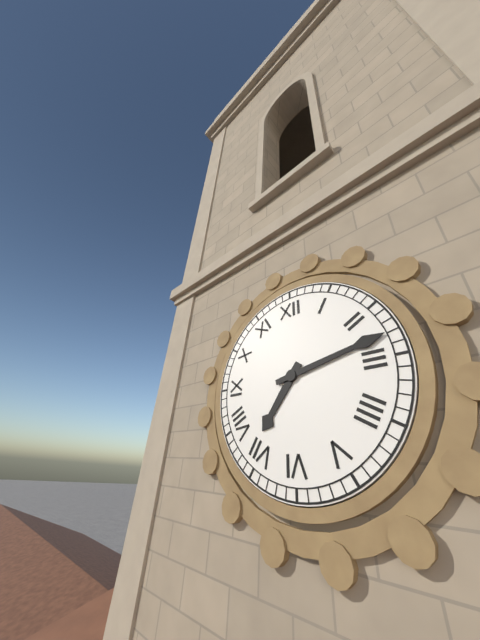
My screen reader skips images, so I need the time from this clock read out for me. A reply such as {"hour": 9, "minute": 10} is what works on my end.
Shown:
{"hour": 7, "minute": 13}
